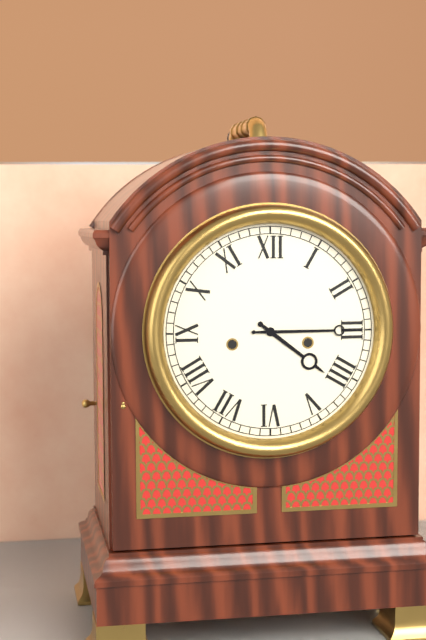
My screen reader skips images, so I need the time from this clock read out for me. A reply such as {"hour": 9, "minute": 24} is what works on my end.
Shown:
{"hour": 4, "minute": 15}
